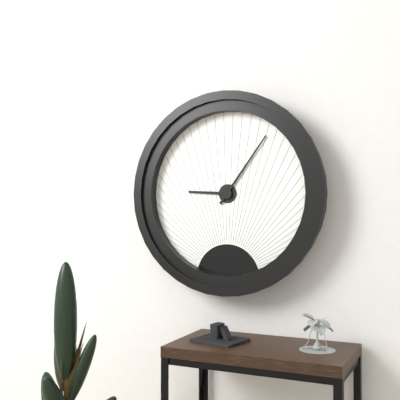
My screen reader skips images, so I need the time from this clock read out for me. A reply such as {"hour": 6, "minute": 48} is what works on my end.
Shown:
{"hour": 9, "minute": 6}
